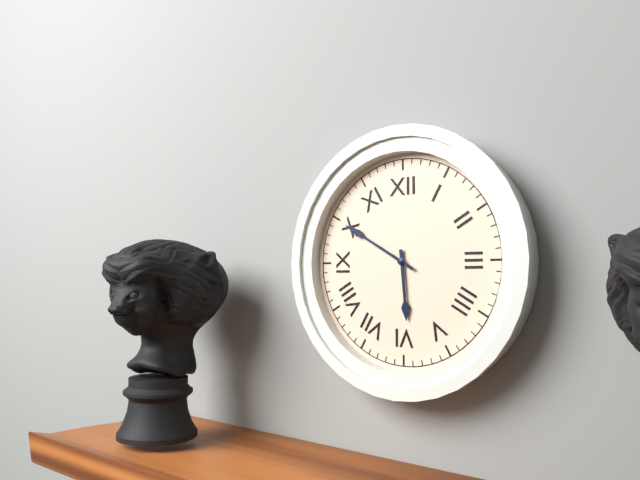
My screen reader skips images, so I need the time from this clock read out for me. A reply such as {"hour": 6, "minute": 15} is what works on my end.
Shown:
{"hour": 5, "minute": 50}
